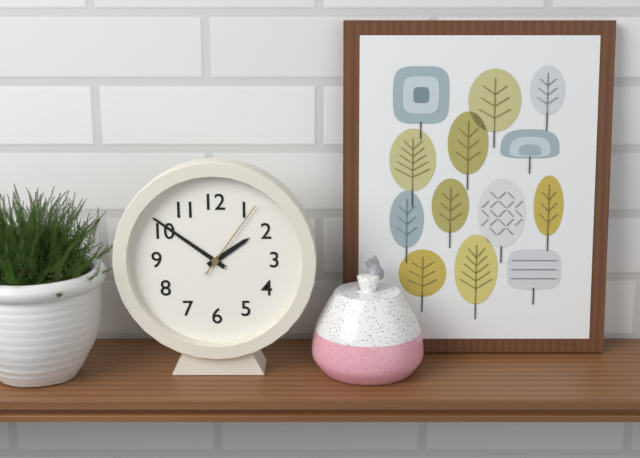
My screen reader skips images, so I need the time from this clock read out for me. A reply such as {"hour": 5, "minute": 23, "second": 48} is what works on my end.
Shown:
{"hour": 1, "minute": 51, "second": 6}
